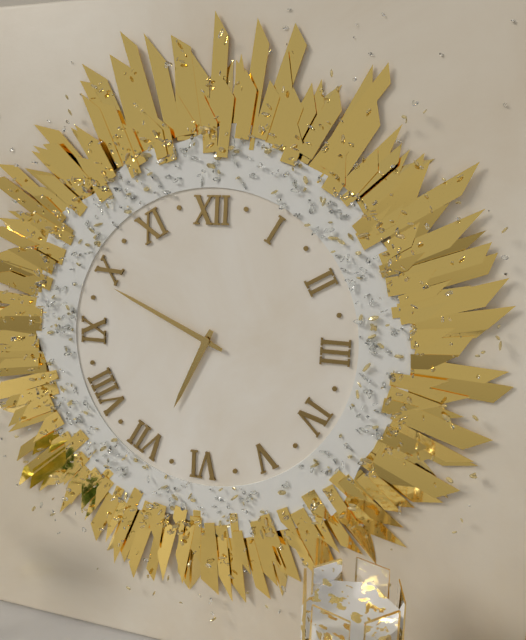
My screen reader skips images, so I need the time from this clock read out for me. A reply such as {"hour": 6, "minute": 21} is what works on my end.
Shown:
{"hour": 6, "minute": 49}
